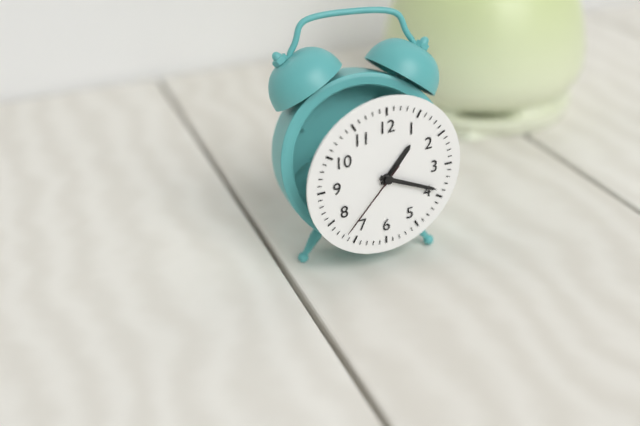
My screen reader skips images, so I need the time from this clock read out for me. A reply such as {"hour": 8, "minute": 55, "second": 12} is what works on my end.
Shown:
{"hour": 1, "minute": 19, "second": 37}
